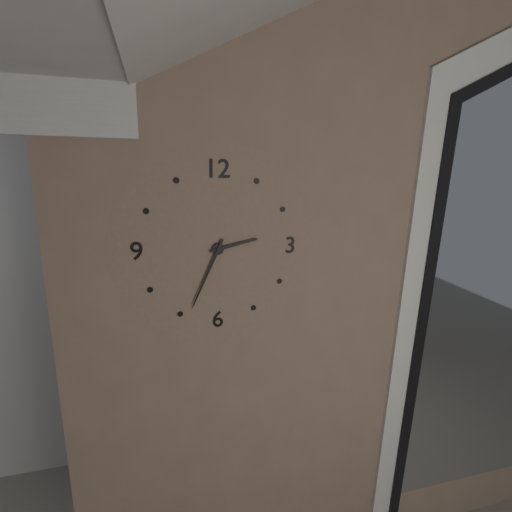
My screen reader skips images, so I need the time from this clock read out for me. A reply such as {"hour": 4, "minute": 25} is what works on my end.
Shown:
{"hour": 2, "minute": 34}
